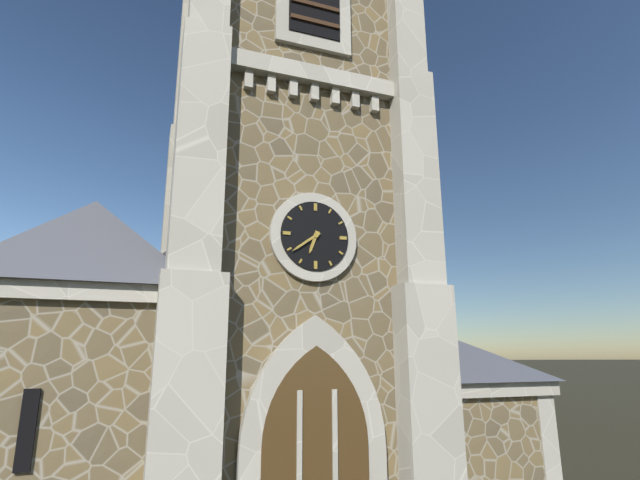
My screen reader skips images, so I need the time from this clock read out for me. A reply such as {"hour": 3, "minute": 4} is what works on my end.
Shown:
{"hour": 6, "minute": 39}
